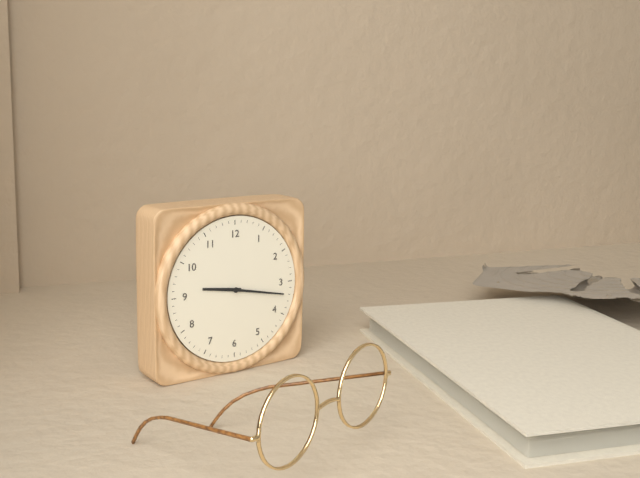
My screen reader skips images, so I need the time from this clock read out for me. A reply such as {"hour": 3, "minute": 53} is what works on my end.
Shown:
{"hour": 9, "minute": 17}
